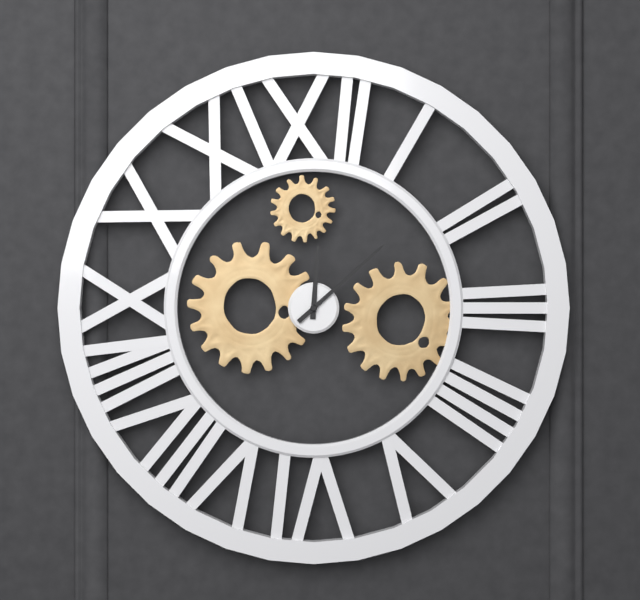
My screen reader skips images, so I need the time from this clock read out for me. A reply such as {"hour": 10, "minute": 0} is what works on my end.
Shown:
{"hour": 12, "minute": 8}
